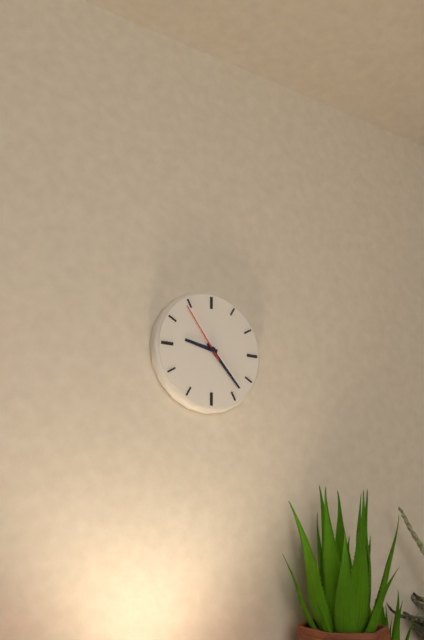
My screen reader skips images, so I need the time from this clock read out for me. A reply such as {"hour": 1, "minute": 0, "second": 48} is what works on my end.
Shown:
{"hour": 9, "minute": 23, "second": 54}
